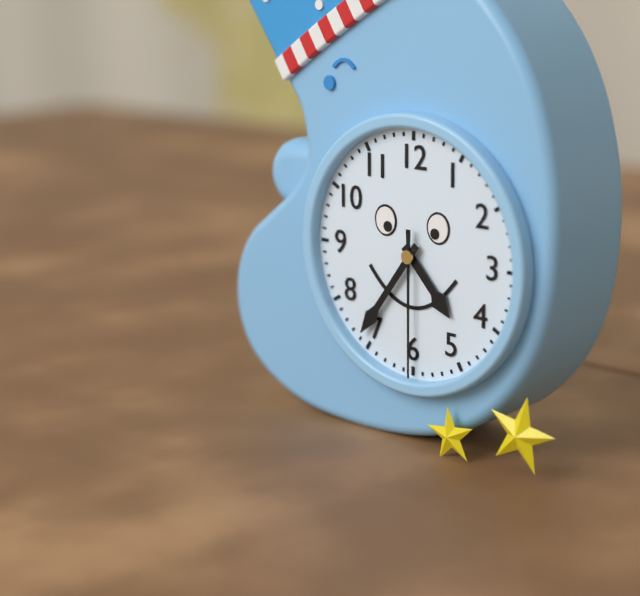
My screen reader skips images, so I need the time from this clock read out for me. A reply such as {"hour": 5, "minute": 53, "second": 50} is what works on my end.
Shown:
{"hour": 4, "minute": 36, "second": 30}
